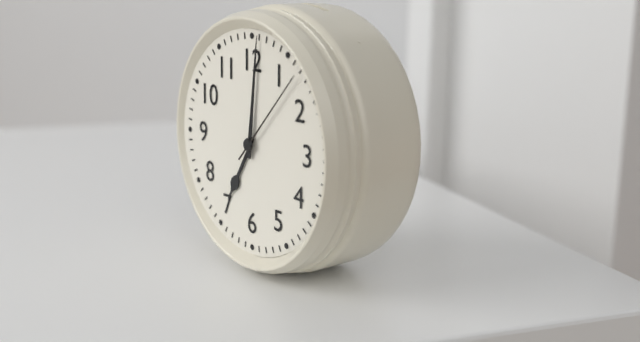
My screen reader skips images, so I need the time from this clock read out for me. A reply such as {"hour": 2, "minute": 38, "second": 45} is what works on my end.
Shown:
{"hour": 7, "minute": 1, "second": 7}
